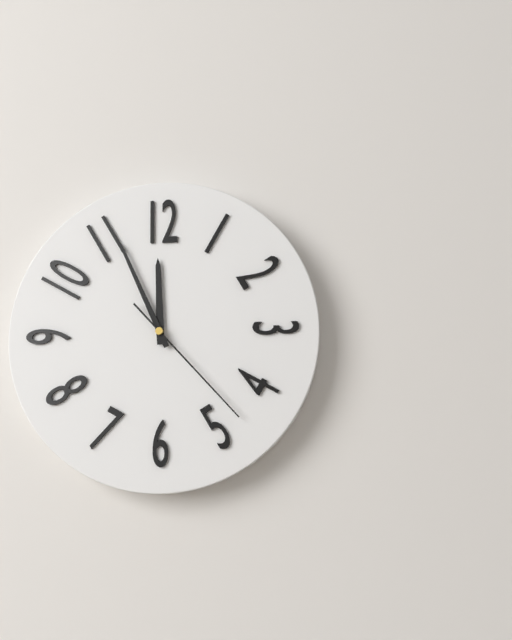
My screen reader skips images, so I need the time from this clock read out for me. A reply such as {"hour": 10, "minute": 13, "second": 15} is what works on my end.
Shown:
{"hour": 11, "minute": 56, "second": 23}
